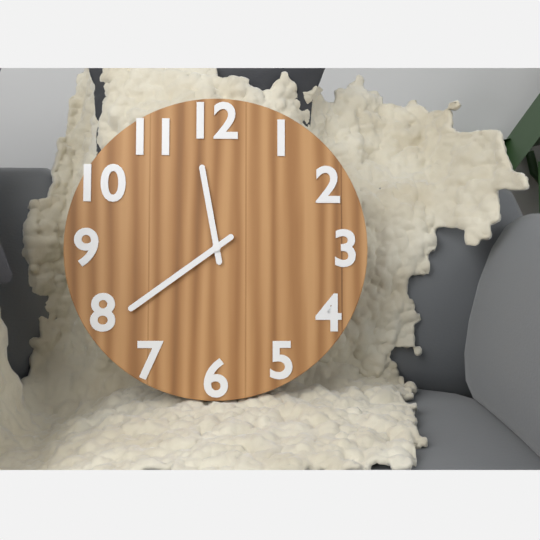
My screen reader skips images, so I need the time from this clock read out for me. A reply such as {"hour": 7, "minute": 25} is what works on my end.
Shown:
{"hour": 11, "minute": 39}
